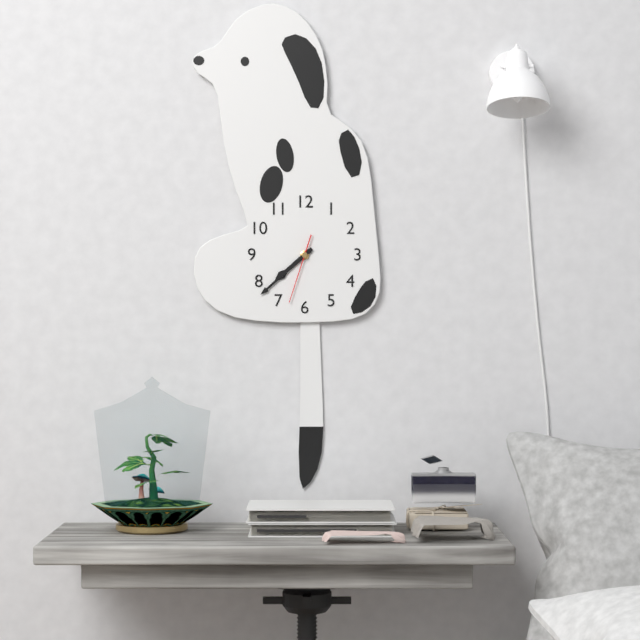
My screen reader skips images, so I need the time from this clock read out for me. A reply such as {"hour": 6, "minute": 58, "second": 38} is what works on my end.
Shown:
{"hour": 7, "minute": 38, "second": 33}
